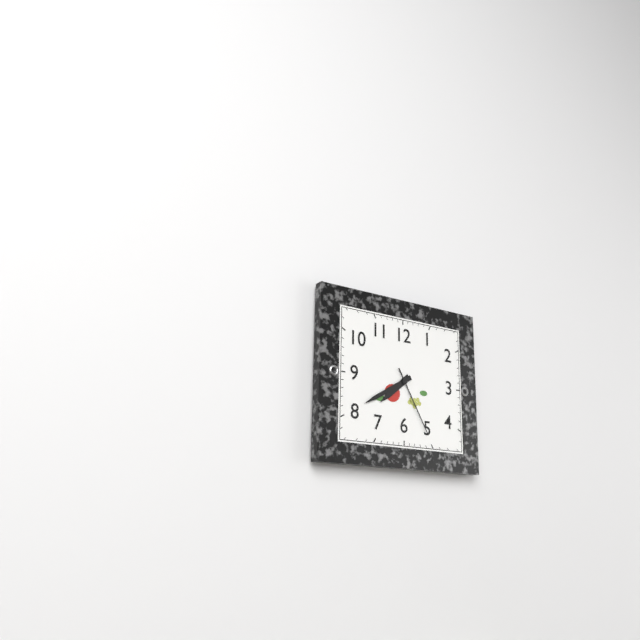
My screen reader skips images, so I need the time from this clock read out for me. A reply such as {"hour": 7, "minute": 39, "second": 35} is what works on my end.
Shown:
{"hour": 7, "minute": 40, "second": 25}
